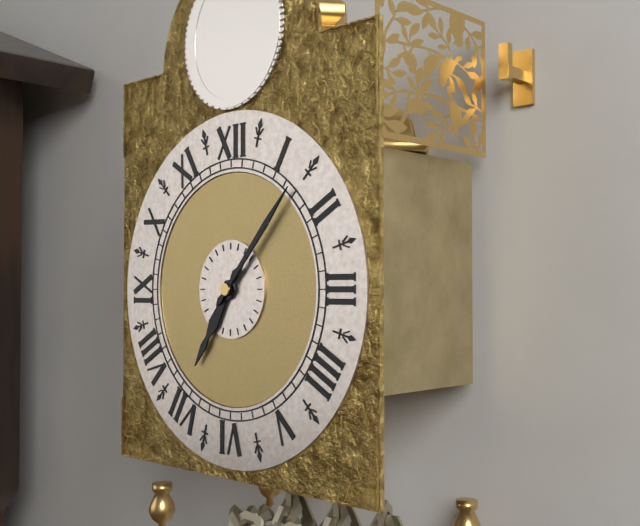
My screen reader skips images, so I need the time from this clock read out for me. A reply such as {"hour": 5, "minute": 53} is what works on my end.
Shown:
{"hour": 7, "minute": 7}
